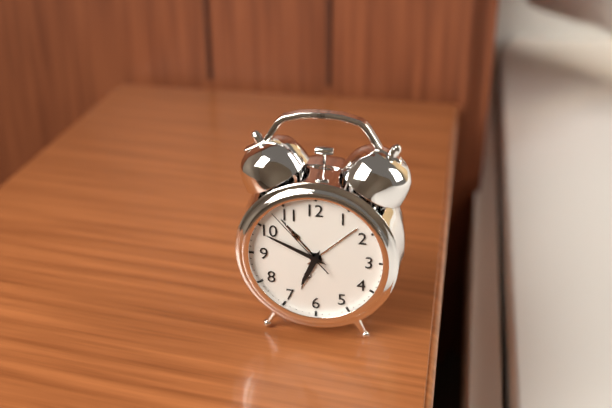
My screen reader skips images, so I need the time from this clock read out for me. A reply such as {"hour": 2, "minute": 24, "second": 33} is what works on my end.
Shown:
{"hour": 6, "minute": 49, "second": 53}
